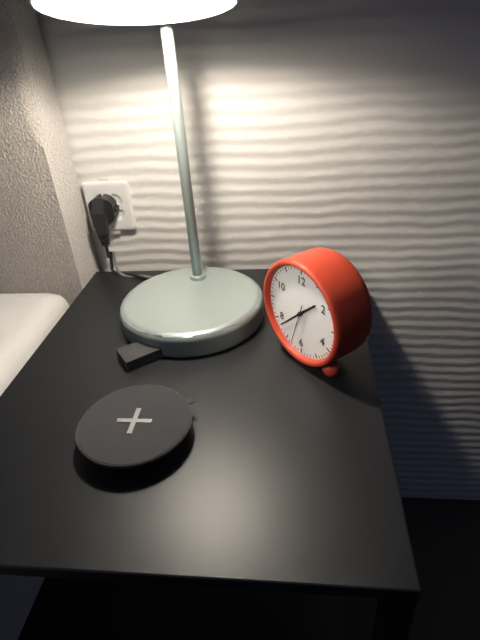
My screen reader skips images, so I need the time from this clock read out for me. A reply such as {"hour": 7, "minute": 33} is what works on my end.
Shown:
{"hour": 1, "minute": 38}
